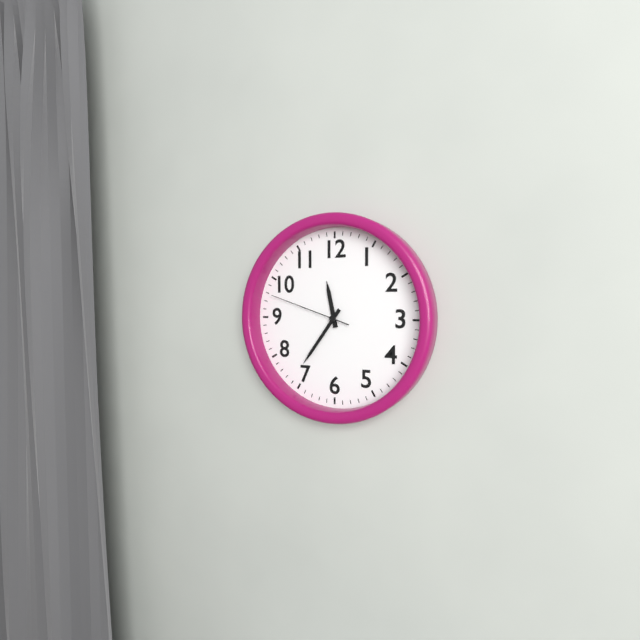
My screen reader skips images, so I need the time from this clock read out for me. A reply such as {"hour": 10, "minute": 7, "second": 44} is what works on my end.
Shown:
{"hour": 11, "minute": 36, "second": 48}
